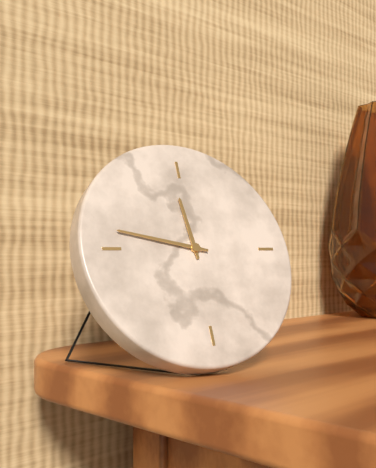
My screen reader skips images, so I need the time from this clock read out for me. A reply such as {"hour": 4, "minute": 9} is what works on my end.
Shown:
{"hour": 11, "minute": 47}
